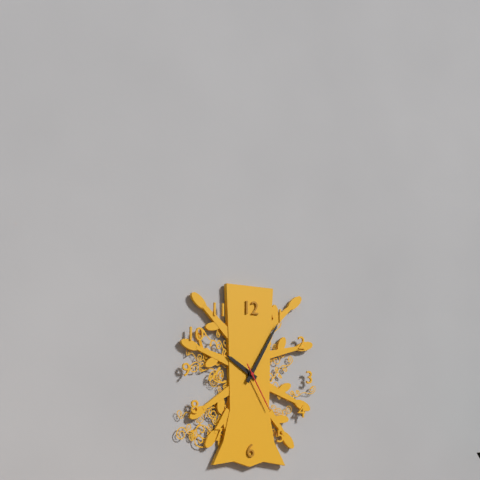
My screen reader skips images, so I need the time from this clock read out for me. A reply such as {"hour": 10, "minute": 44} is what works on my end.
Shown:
{"hour": 10, "minute": 5}
